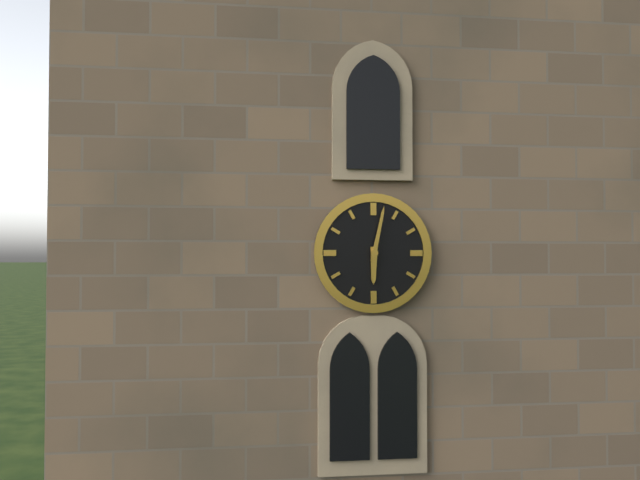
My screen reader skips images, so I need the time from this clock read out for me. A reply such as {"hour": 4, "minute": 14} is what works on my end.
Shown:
{"hour": 6, "minute": 2}
